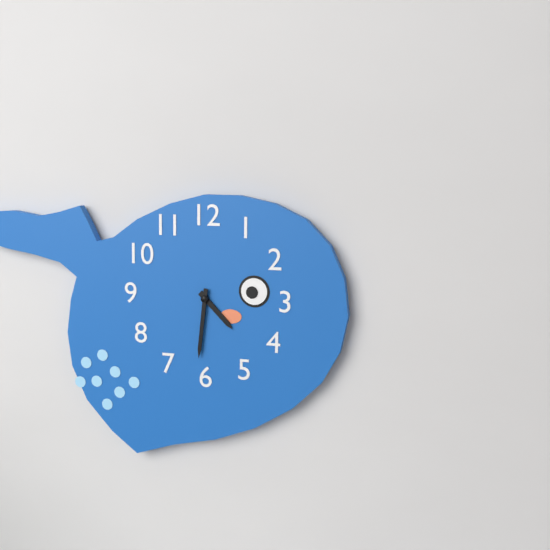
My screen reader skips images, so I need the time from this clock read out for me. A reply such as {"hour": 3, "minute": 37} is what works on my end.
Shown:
{"hour": 4, "minute": 31}
